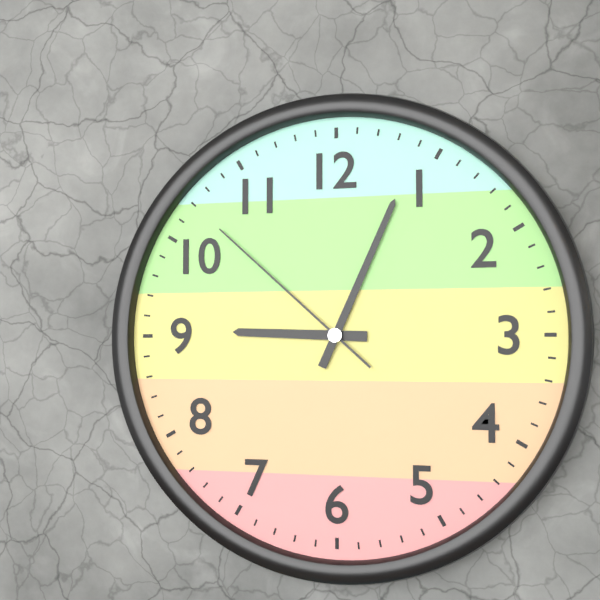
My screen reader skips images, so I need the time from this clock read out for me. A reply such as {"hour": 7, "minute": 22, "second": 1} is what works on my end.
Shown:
{"hour": 9, "minute": 4, "second": 52}
